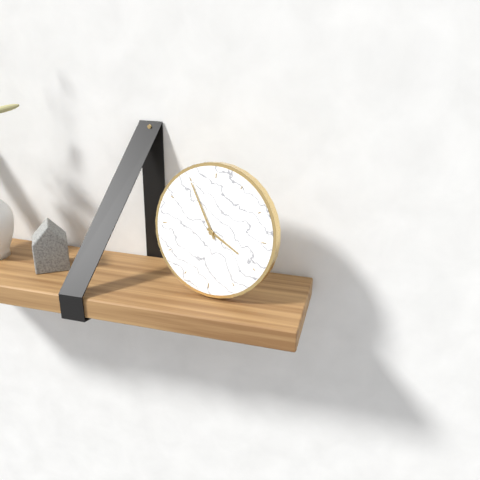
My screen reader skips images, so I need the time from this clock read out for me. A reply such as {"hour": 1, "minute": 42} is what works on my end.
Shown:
{"hour": 3, "minute": 55}
